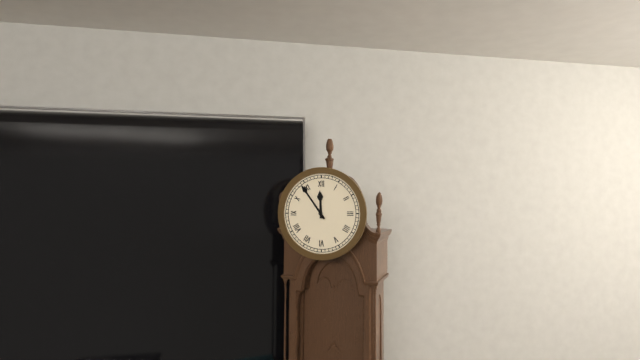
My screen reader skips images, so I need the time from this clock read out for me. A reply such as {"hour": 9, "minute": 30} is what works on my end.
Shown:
{"hour": 11, "minute": 54}
